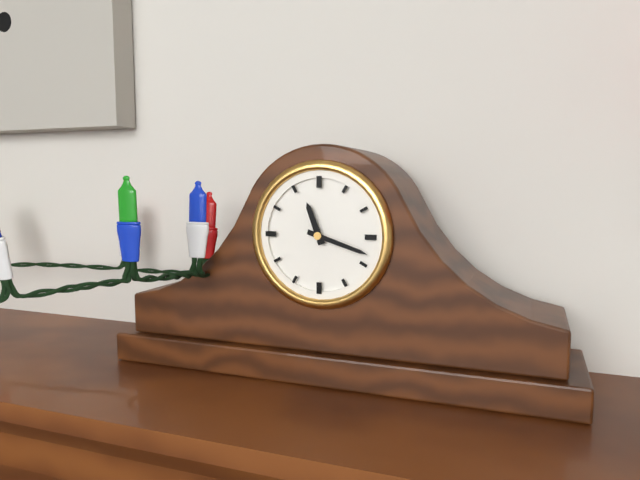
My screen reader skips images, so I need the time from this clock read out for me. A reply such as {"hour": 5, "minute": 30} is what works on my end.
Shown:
{"hour": 11, "minute": 18}
